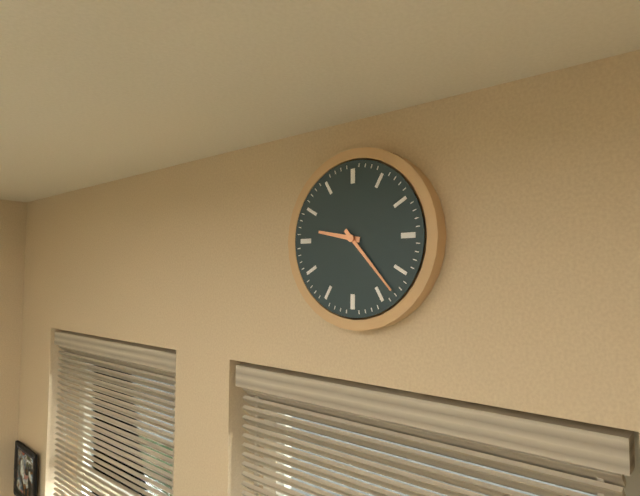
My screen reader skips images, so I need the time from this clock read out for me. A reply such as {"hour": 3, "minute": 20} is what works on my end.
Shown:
{"hour": 9, "minute": 23}
